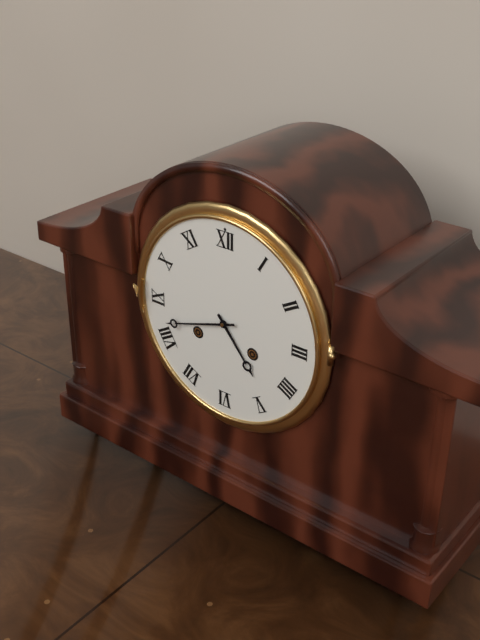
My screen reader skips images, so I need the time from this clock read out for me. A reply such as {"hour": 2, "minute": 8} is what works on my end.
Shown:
{"hour": 4, "minute": 42}
